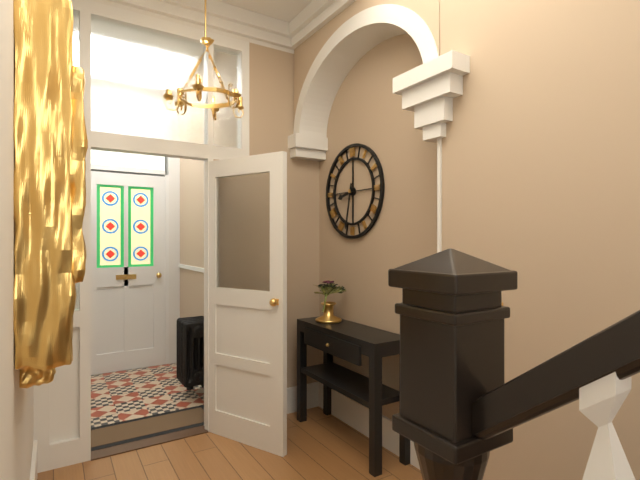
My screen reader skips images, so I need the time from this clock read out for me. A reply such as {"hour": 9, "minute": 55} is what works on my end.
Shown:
{"hour": 8, "minute": 32}
